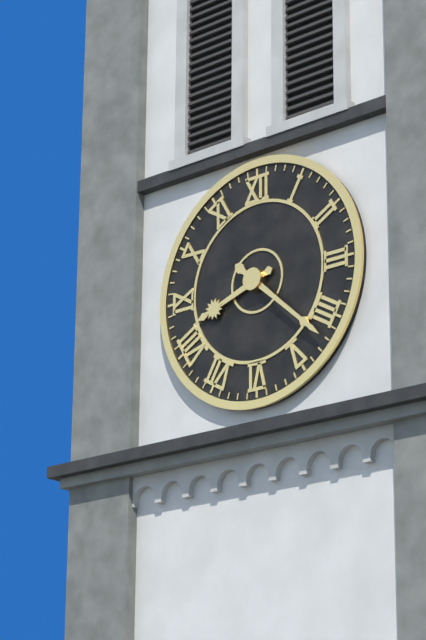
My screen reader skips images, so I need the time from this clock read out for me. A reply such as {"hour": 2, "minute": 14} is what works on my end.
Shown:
{"hour": 8, "minute": 22}
